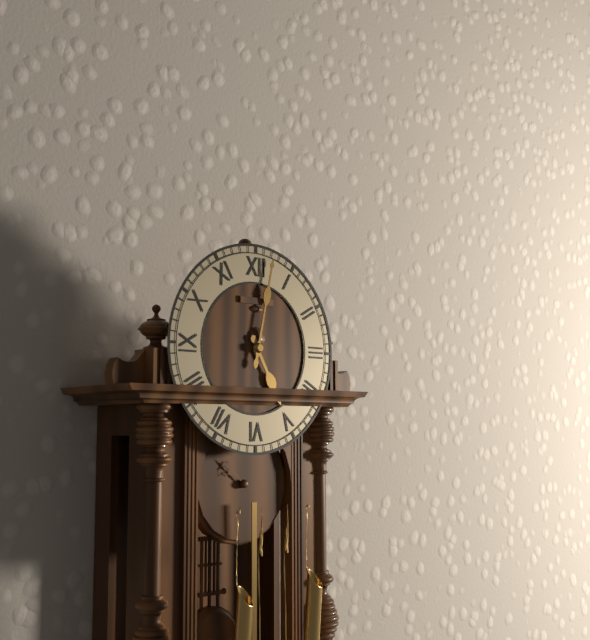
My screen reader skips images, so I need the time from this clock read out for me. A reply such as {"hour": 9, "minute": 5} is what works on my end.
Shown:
{"hour": 5, "minute": 2}
